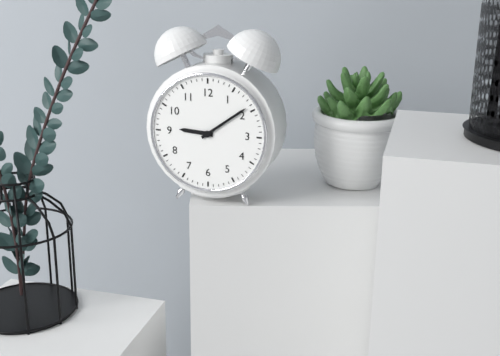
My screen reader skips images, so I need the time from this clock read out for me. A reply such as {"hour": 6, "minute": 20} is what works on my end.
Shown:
{"hour": 9, "minute": 9}
